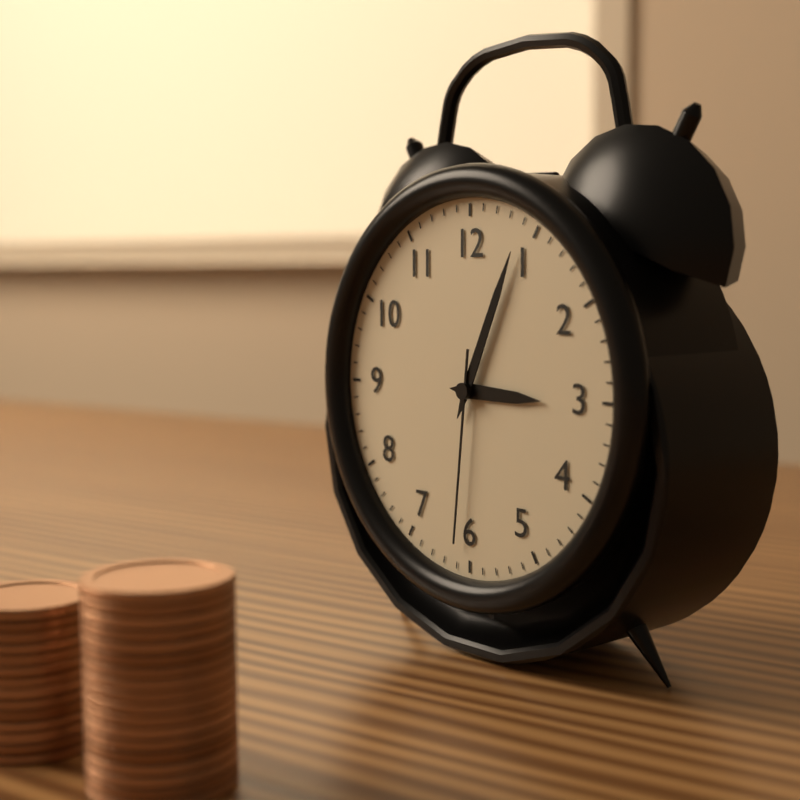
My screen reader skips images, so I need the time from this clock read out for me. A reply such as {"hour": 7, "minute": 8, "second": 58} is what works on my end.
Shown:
{"hour": 3, "minute": 4, "second": 31}
